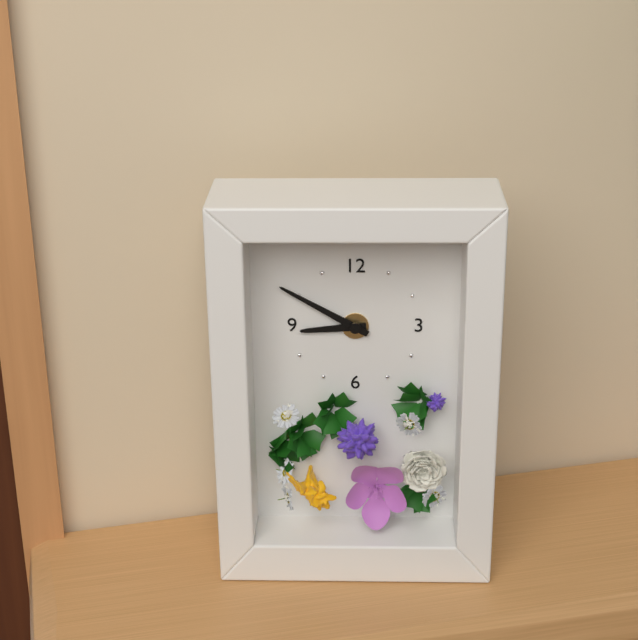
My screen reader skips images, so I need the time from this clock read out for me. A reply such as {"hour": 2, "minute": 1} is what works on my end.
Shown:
{"hour": 8, "minute": 50}
